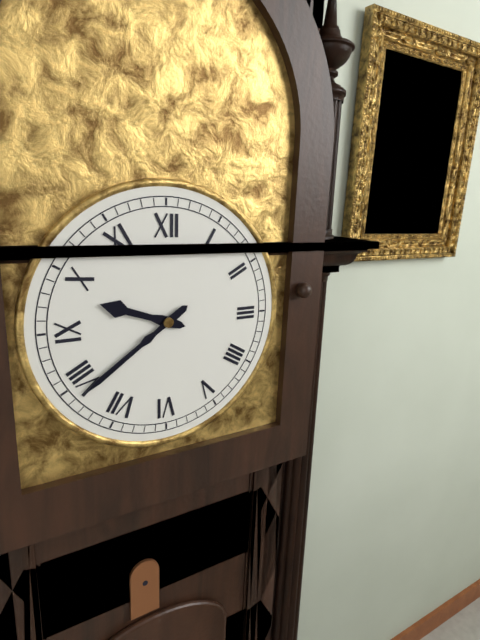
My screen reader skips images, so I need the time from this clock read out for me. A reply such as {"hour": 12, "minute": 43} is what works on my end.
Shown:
{"hour": 9, "minute": 39}
